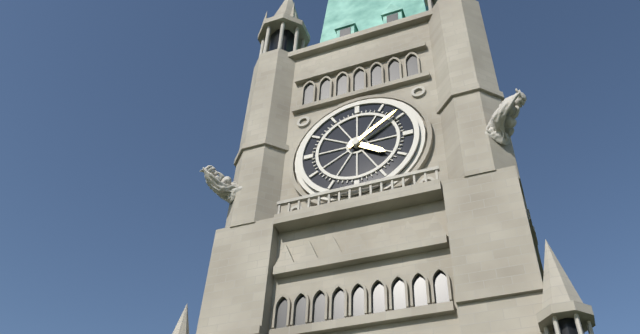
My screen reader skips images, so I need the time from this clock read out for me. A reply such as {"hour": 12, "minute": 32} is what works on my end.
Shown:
{"hour": 4, "minute": 9}
